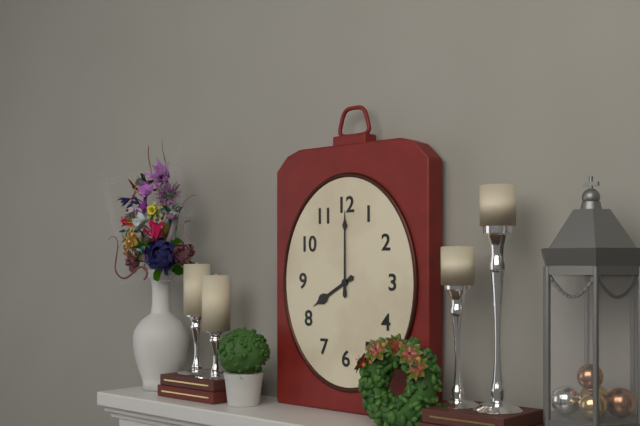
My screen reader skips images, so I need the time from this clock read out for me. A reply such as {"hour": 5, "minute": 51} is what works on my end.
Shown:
{"hour": 8, "minute": 0}
